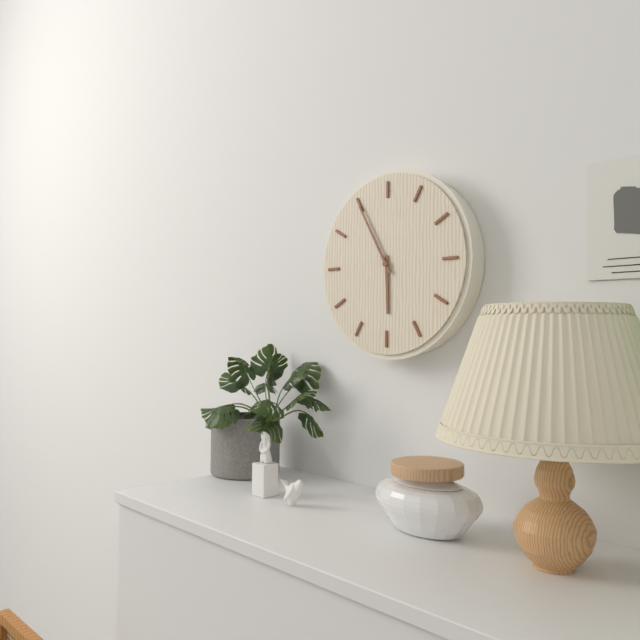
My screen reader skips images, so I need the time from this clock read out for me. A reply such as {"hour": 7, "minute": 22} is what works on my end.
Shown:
{"hour": 5, "minute": 55}
